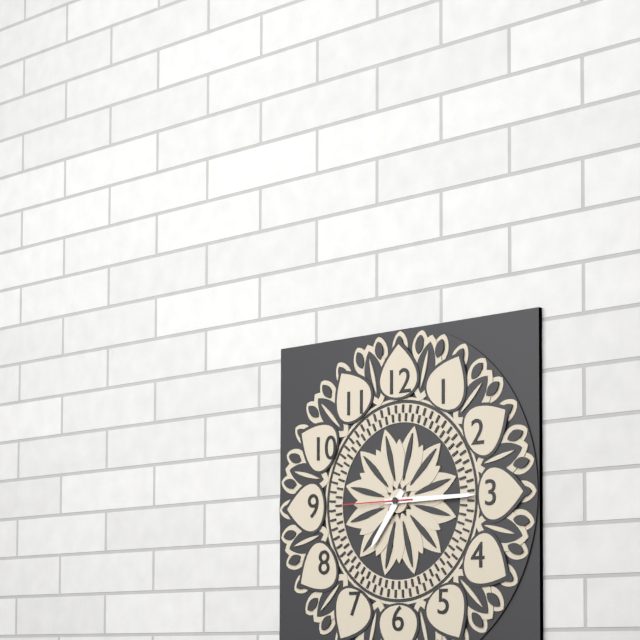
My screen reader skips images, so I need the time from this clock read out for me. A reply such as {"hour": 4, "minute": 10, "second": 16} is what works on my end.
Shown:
{"hour": 7, "minute": 15, "second": 45}
